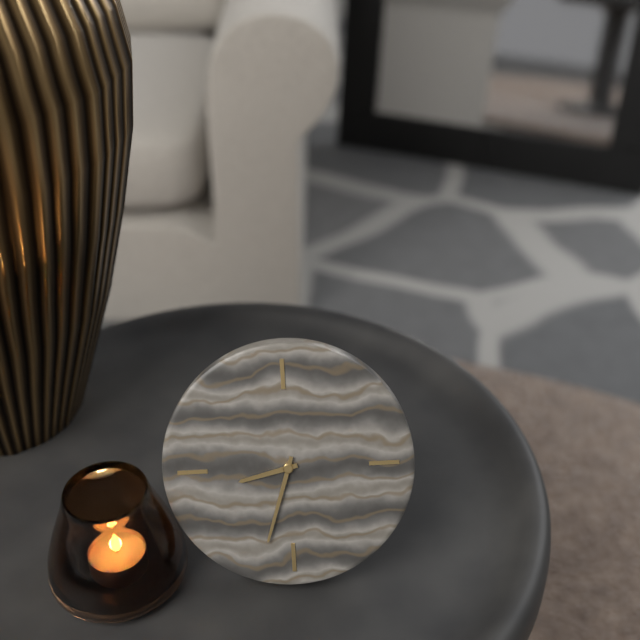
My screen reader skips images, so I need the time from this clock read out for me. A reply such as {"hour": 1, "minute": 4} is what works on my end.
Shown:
{"hour": 8, "minute": 33}
